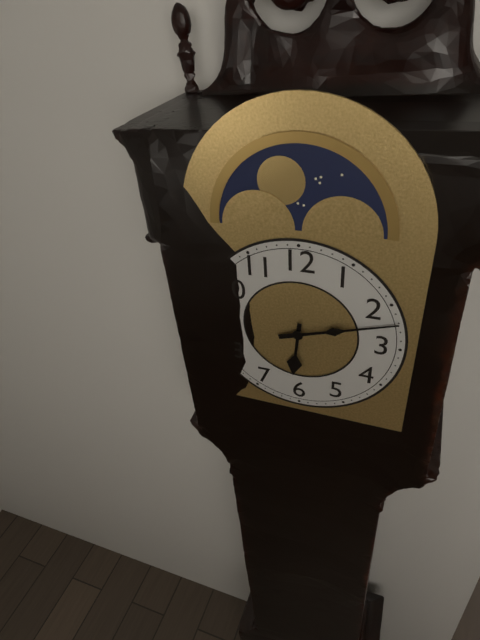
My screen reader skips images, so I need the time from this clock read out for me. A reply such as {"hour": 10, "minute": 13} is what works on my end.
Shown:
{"hour": 6, "minute": 12}
